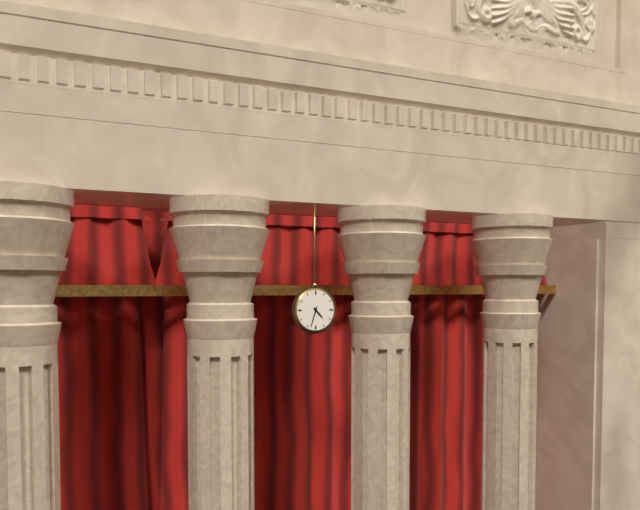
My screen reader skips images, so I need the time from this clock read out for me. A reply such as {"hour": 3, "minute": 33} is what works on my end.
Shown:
{"hour": 4, "minute": 33}
